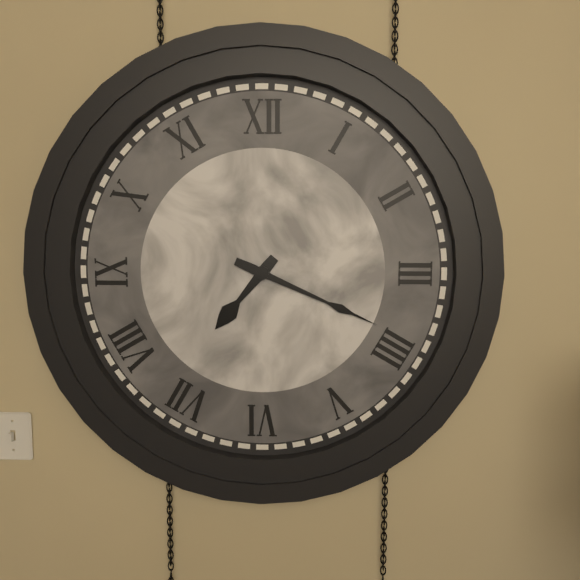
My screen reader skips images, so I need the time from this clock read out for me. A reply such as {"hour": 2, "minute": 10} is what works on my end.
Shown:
{"hour": 7, "minute": 19}
